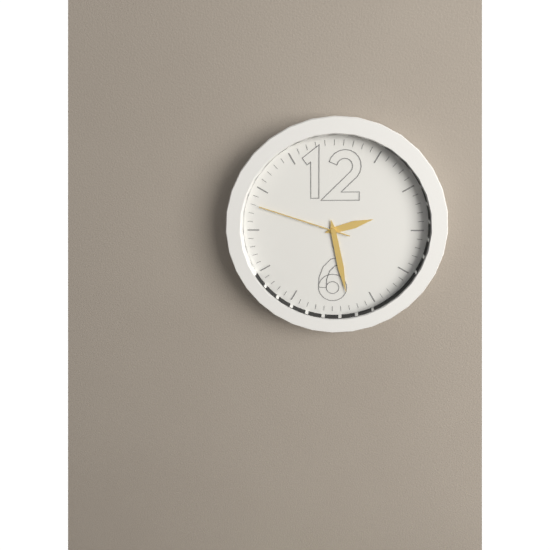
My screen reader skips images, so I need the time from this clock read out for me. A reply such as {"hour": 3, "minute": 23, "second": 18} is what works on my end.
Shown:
{"hour": 2, "minute": 28, "second": 48}
